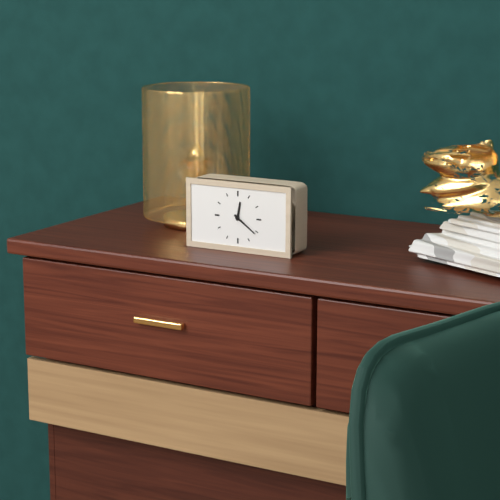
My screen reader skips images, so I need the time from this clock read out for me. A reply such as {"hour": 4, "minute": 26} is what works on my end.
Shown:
{"hour": 12, "minute": 21}
